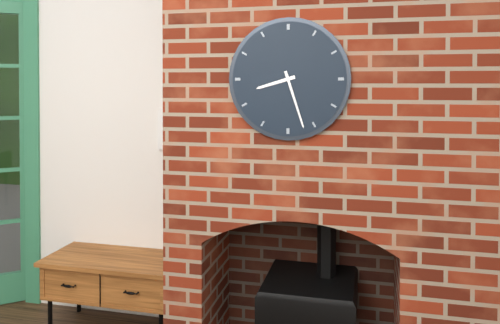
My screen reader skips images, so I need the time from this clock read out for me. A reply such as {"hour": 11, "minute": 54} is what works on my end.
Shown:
{"hour": 8, "minute": 27}
